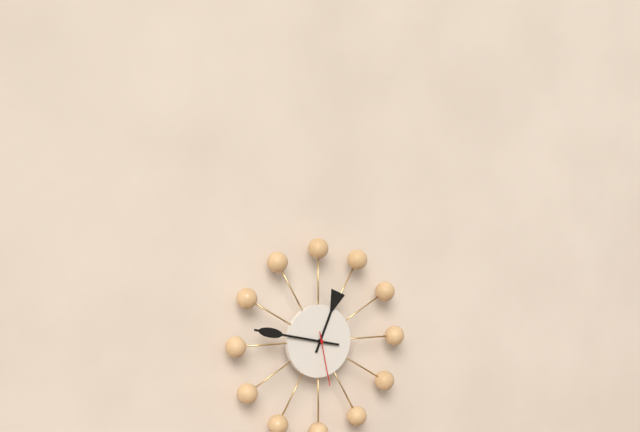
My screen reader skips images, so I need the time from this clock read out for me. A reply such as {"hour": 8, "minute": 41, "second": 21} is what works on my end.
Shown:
{"hour": 12, "minute": 47, "second": 28}
